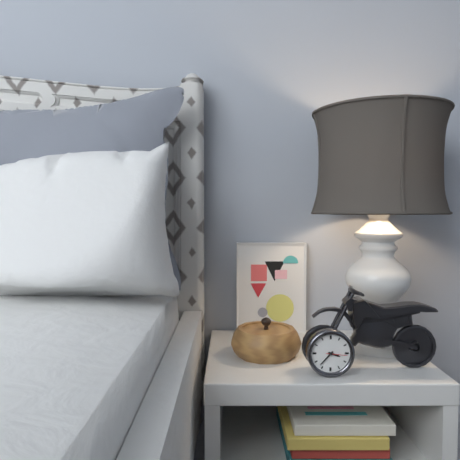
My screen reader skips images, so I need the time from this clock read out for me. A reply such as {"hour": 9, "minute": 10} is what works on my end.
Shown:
{"hour": 3, "minute": 37}
